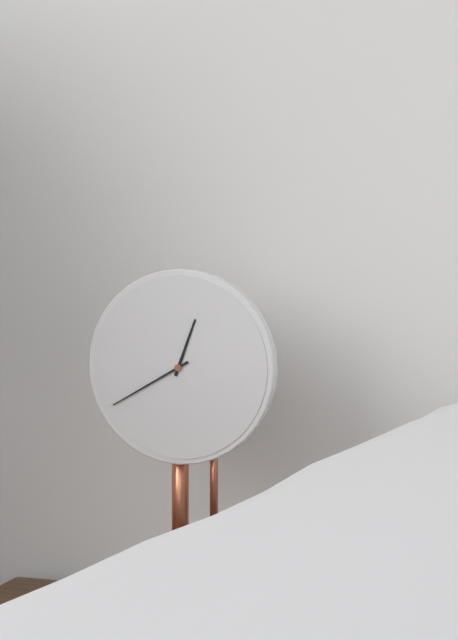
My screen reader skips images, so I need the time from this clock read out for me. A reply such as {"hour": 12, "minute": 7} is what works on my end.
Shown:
{"hour": 12, "minute": 40}
